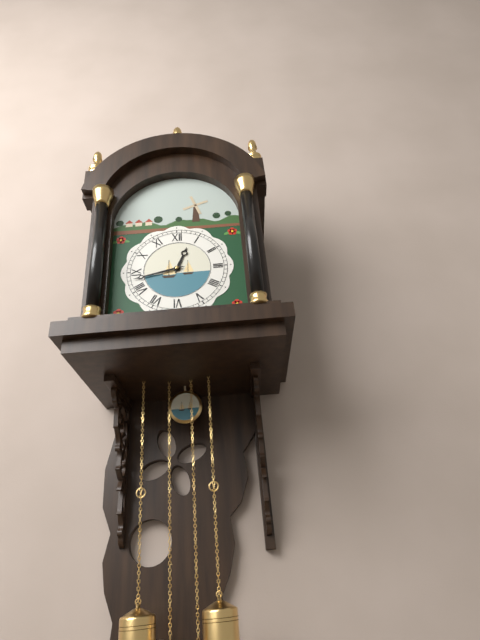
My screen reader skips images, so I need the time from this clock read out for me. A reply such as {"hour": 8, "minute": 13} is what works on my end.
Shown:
{"hour": 12, "minute": 43}
